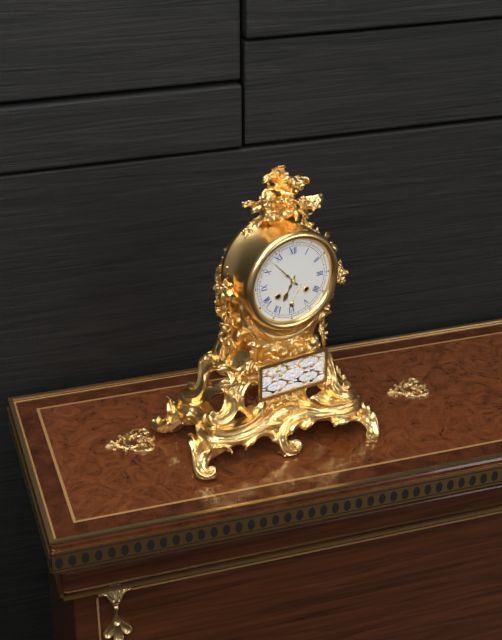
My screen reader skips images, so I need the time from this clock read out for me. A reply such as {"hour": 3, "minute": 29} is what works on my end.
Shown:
{"hour": 6, "minute": 53}
